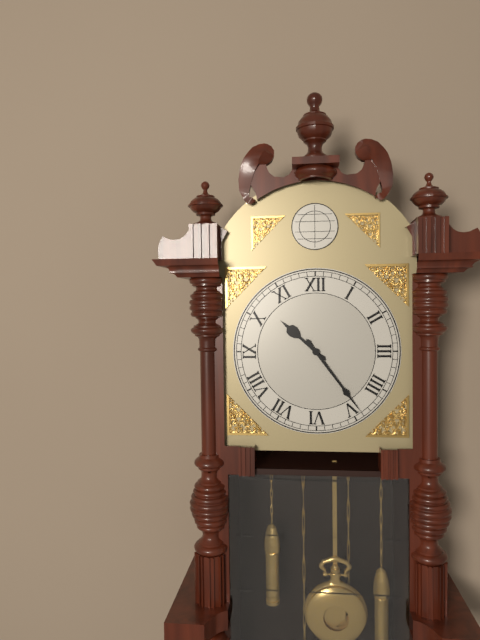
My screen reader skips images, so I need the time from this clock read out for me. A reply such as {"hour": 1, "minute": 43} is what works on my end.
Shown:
{"hour": 10, "minute": 24}
